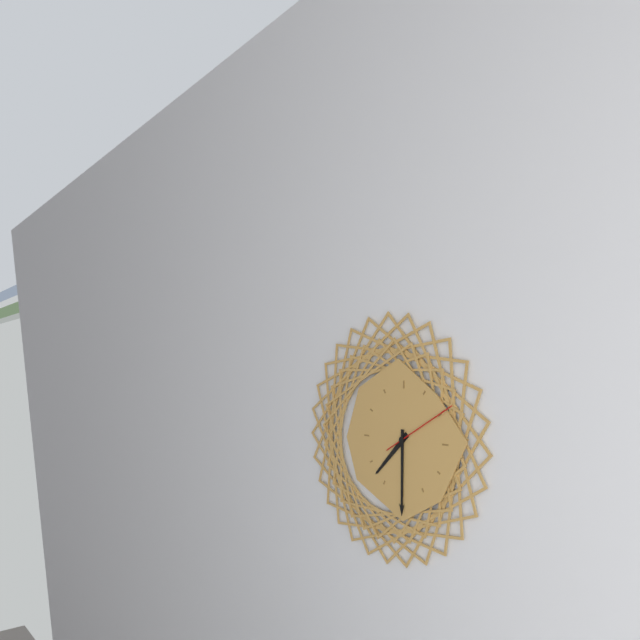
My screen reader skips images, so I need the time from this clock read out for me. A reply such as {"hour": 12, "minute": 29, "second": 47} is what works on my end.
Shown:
{"hour": 7, "minute": 30, "second": 10}
